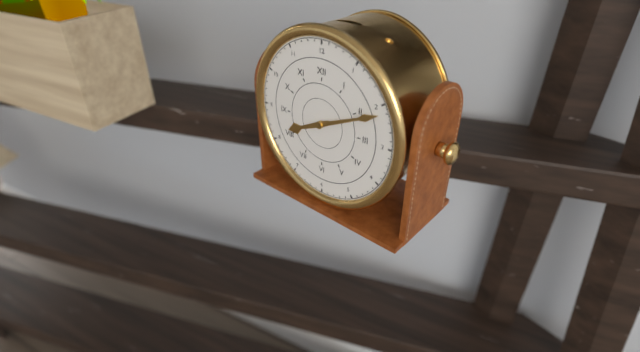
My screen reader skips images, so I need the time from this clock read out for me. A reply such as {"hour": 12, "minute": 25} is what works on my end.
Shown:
{"hour": 8, "minute": 11}
